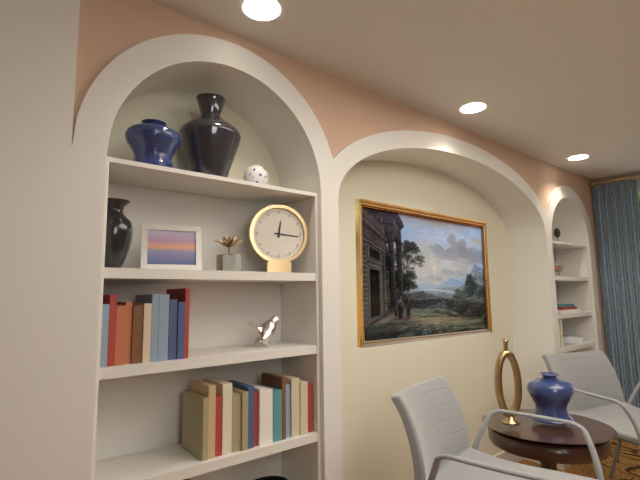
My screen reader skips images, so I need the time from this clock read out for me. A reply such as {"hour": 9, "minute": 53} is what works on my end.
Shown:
{"hour": 12, "minute": 16}
